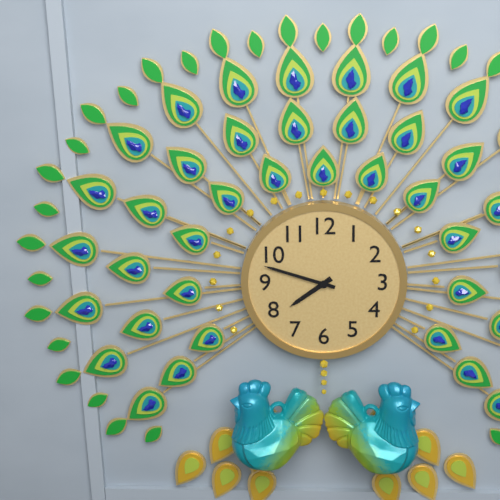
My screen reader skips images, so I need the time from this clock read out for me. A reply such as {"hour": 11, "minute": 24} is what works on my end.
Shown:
{"hour": 7, "minute": 48}
